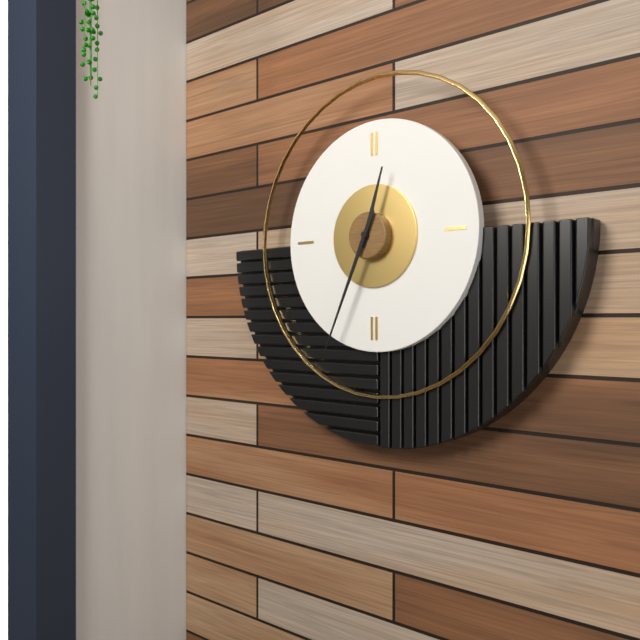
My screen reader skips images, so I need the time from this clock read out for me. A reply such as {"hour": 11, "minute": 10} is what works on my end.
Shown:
{"hour": 12, "minute": 34}
